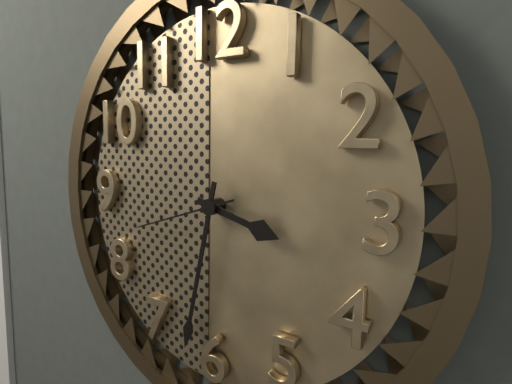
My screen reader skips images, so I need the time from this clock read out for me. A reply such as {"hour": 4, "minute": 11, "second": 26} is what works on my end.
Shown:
{"hour": 3, "minute": 32, "second": 42}
